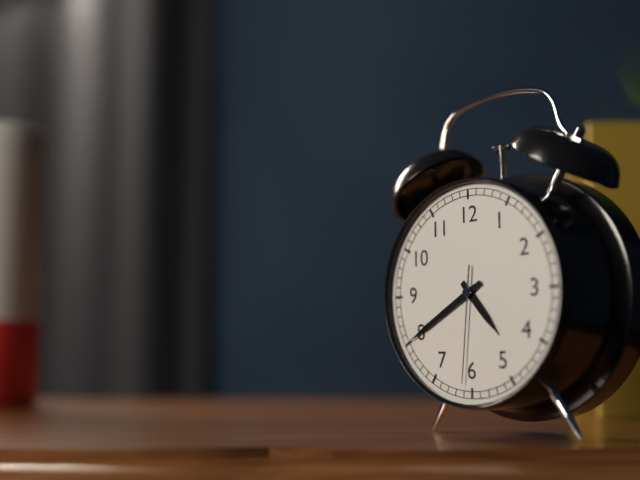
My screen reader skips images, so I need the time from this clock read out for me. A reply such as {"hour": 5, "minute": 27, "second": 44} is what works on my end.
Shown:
{"hour": 4, "minute": 40, "second": 31}
